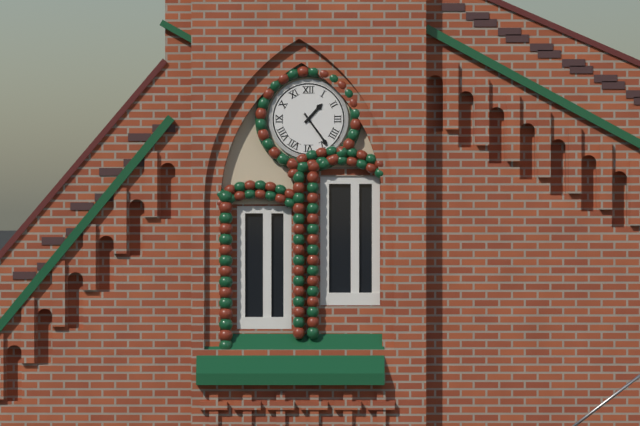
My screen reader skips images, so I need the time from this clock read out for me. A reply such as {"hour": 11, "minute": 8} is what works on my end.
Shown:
{"hour": 1, "minute": 24}
